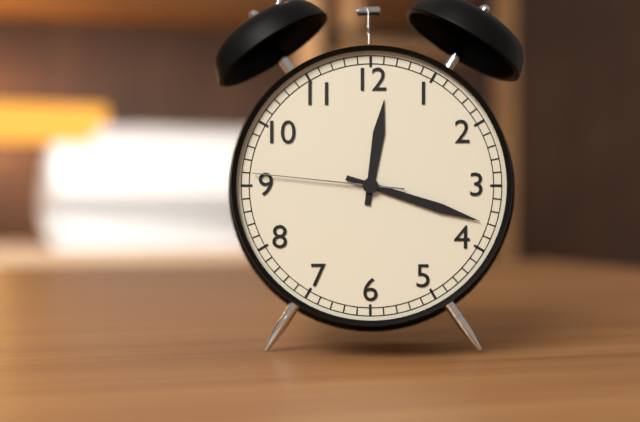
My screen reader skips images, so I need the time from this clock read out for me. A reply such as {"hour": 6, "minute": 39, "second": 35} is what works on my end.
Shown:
{"hour": 12, "minute": 18, "second": 46}
